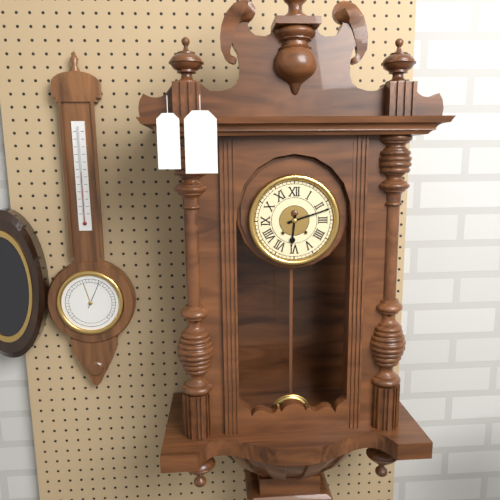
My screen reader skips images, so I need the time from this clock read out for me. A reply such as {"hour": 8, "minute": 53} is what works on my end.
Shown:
{"hour": 6, "minute": 12}
